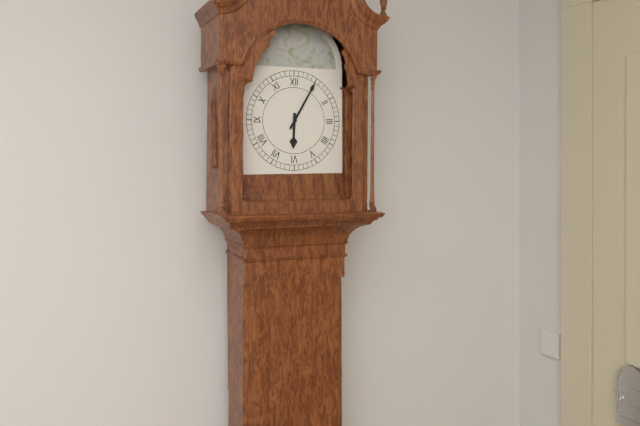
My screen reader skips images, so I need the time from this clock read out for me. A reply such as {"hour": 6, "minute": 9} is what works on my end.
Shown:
{"hour": 6, "minute": 5}
